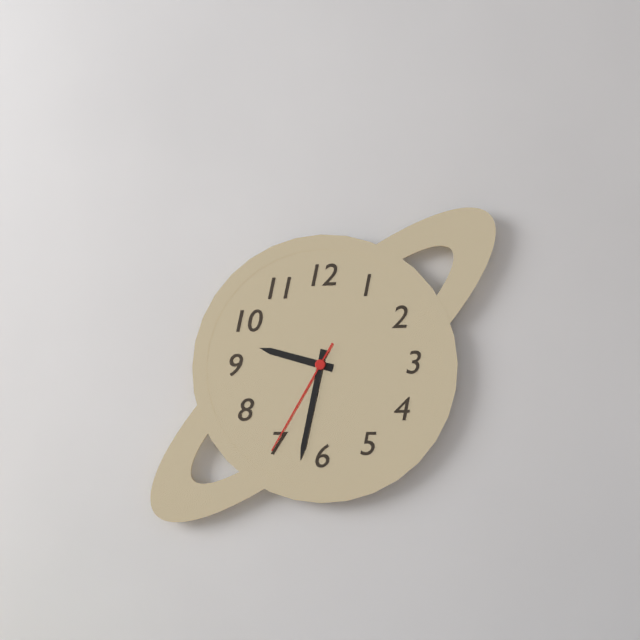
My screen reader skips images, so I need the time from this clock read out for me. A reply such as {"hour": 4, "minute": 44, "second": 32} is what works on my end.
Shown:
{"hour": 9, "minute": 32, "second": 35}
